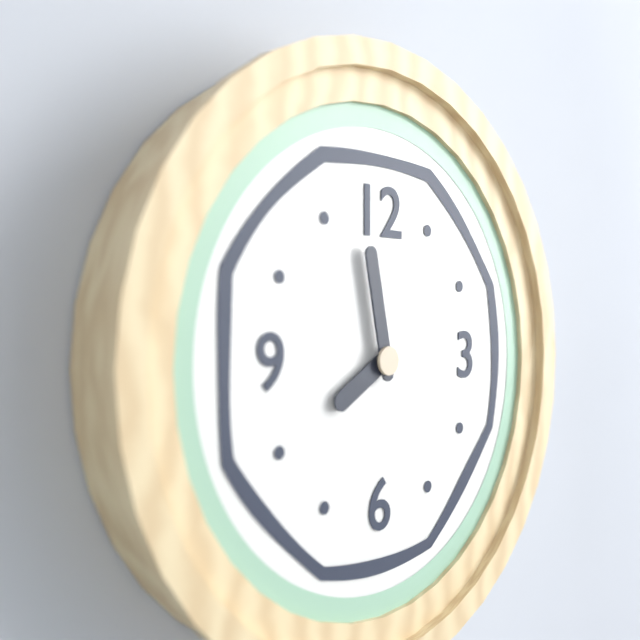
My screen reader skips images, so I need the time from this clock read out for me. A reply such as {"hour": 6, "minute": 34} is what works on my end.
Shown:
{"hour": 7, "minute": 58}
